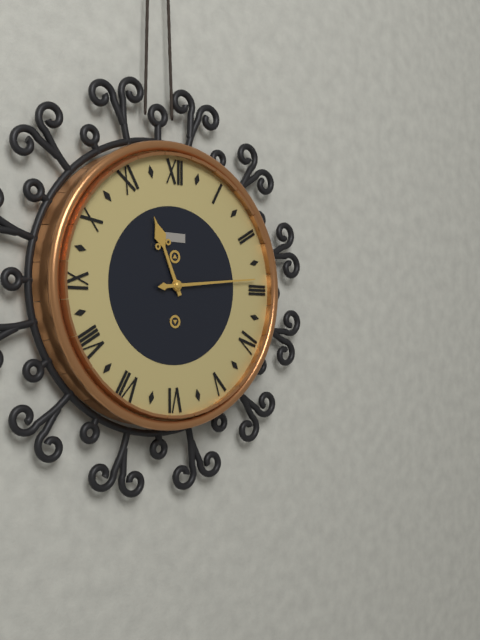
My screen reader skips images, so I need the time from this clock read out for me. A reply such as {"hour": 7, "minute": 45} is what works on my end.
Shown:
{"hour": 11, "minute": 14}
